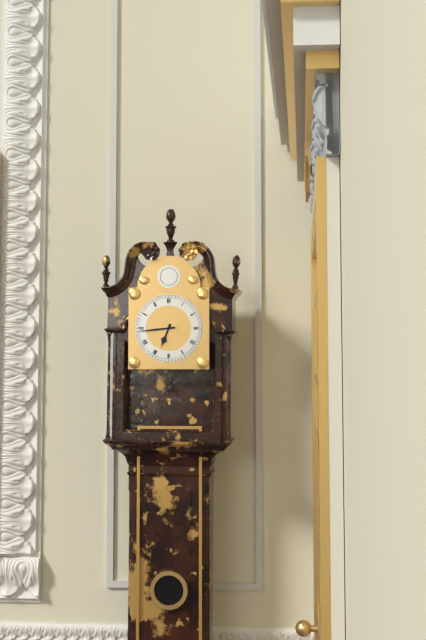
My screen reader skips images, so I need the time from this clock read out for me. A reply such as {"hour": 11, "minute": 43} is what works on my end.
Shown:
{"hour": 6, "minute": 44}
